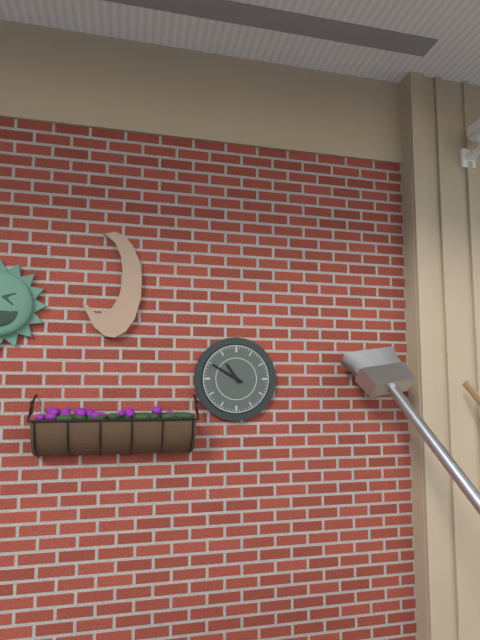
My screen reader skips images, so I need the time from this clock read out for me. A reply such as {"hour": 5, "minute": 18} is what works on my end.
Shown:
{"hour": 10, "minute": 50}
